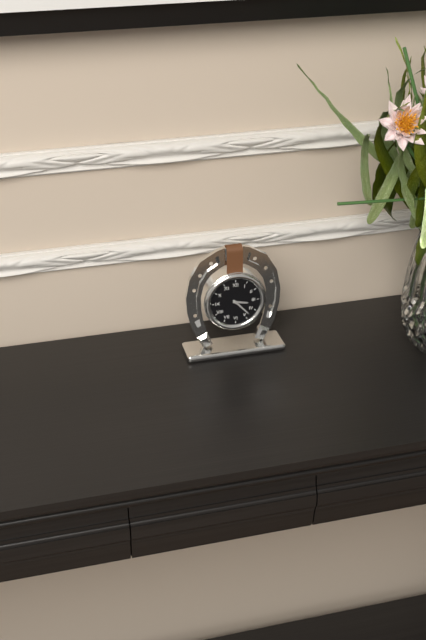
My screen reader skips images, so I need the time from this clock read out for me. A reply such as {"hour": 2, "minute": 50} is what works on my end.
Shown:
{"hour": 3, "minute": 23}
